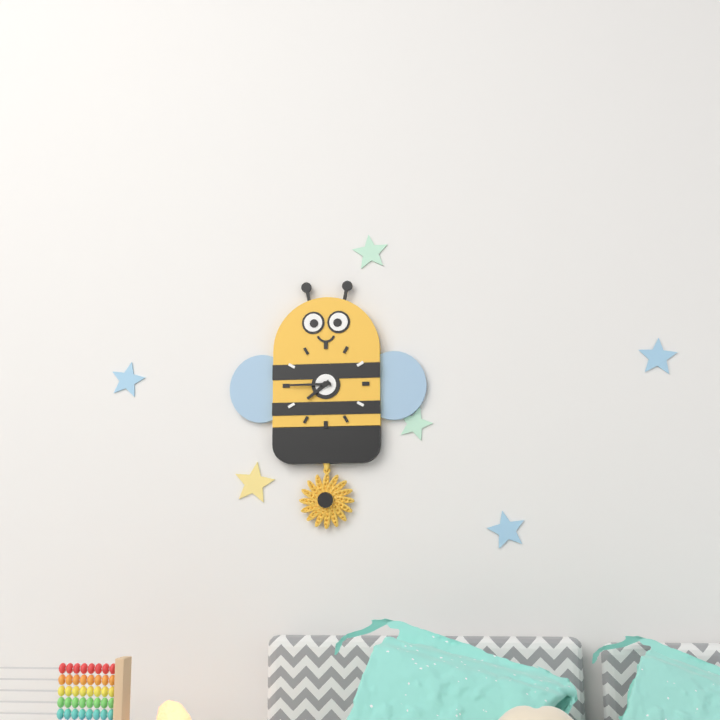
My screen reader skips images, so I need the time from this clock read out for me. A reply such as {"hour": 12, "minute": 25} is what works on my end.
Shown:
{"hour": 7, "minute": 45}
